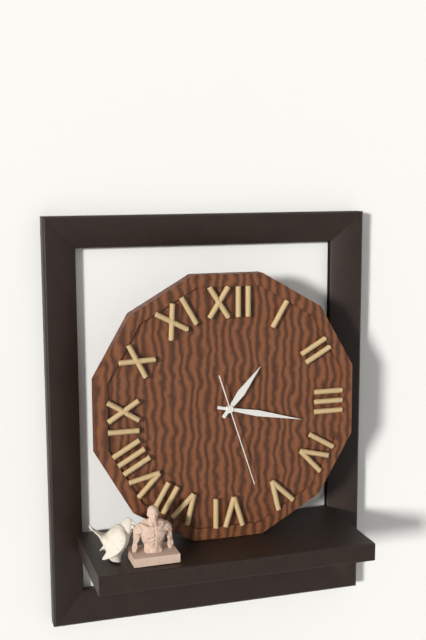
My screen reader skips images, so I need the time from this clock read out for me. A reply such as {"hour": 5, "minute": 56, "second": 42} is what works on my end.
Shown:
{"hour": 1, "minute": 17, "second": 27}
